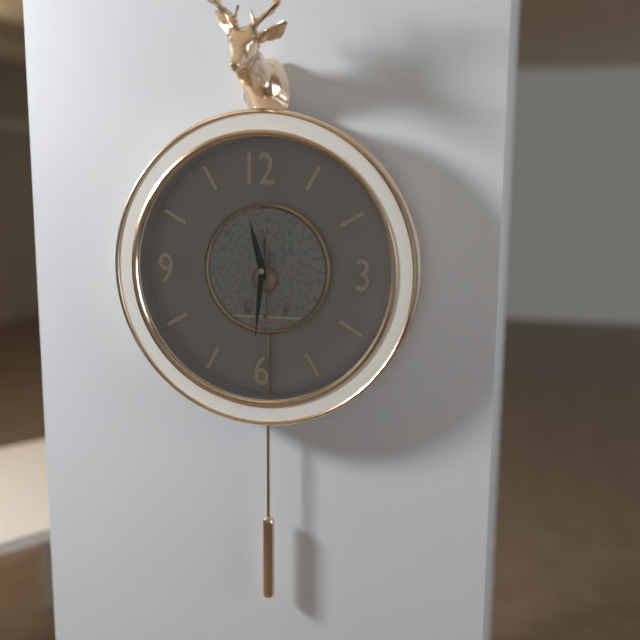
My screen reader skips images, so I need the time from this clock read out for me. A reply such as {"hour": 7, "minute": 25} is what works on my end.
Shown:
{"hour": 11, "minute": 31}
